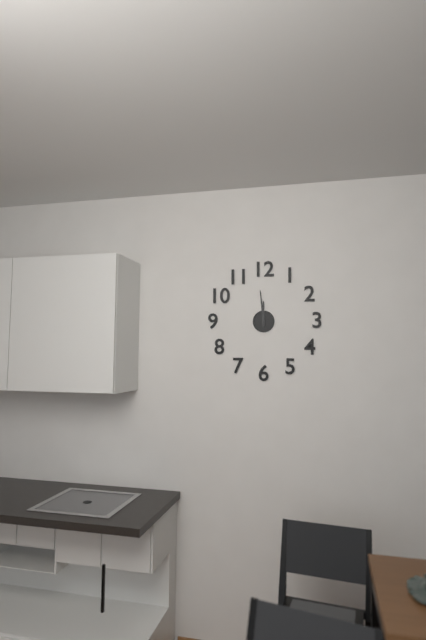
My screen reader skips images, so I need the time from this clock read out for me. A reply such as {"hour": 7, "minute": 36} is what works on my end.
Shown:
{"hour": 11, "minute": 59}
